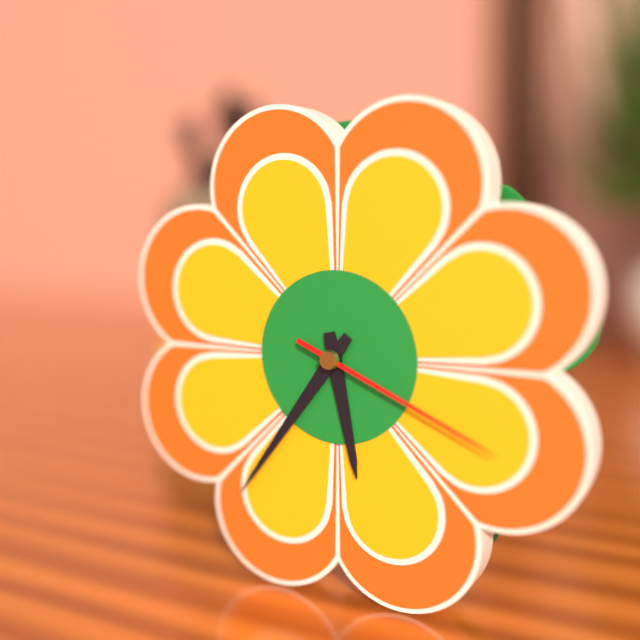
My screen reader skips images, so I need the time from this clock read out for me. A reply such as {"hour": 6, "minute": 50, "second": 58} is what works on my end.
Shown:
{"hour": 5, "minute": 36, "second": 19}
